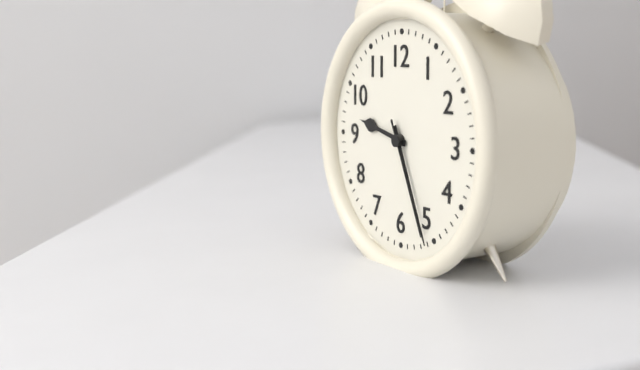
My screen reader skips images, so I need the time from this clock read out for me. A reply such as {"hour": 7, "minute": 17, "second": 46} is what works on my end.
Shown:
{"hour": 9, "minute": 26, "second": 26}
